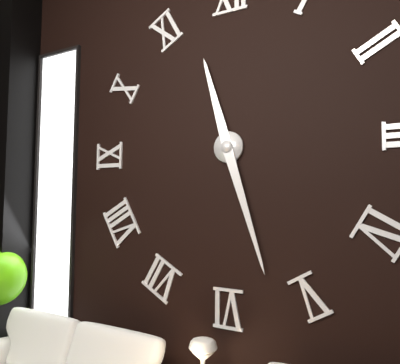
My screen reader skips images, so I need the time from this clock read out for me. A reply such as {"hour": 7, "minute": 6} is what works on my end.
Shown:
{"hour": 11, "minute": 27}
